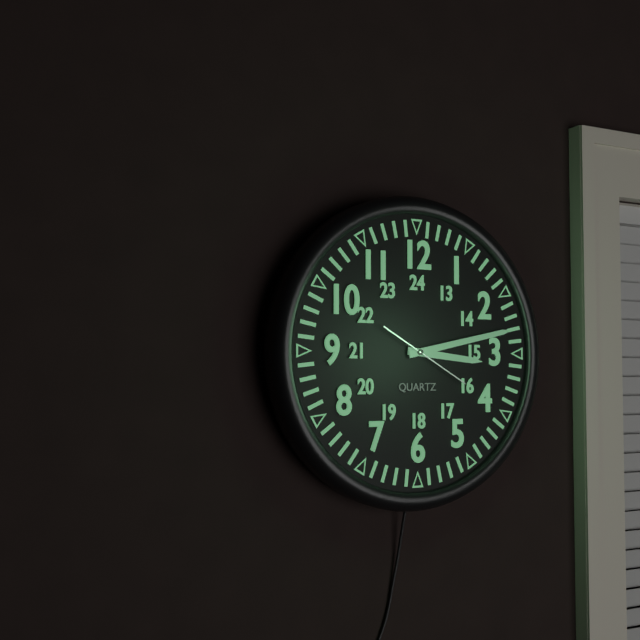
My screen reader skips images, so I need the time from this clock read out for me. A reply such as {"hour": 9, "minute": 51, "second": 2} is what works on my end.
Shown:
{"hour": 3, "minute": 13, "second": 20}
